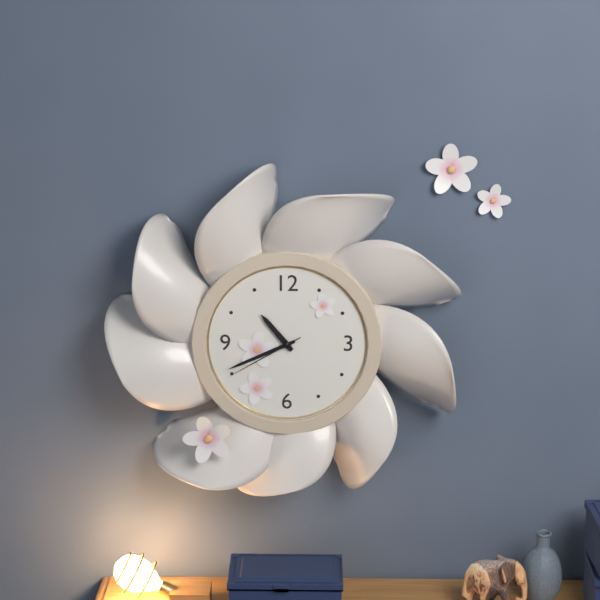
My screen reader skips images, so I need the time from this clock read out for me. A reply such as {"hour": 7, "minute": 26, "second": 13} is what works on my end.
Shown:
{"hour": 10, "minute": 41, "second": 40}
